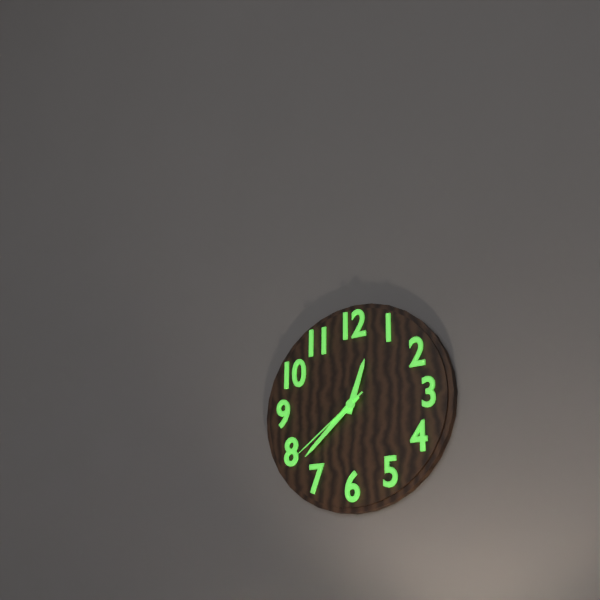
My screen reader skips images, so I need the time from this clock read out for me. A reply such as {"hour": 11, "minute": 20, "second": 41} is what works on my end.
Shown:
{"hour": 12, "minute": 38, "second": 39}
